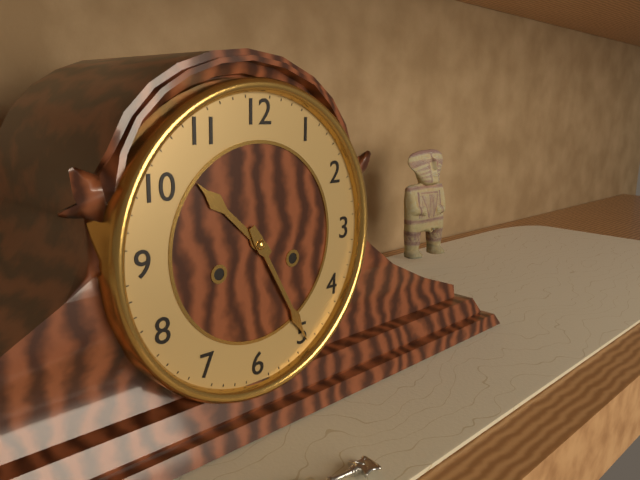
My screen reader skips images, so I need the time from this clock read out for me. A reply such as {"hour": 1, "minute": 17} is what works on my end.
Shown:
{"hour": 10, "minute": 25}
